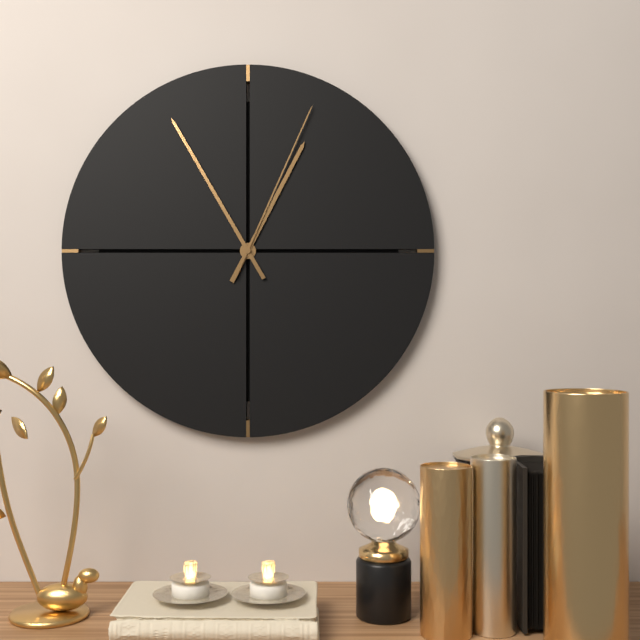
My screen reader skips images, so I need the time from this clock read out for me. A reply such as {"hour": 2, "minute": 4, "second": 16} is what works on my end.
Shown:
{"hour": 12, "minute": 55, "second": 4}
